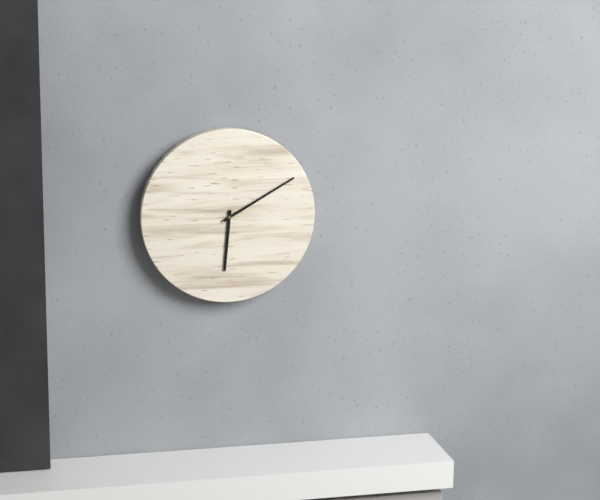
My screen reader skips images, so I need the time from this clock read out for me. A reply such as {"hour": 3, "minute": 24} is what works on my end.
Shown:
{"hour": 6, "minute": 10}
